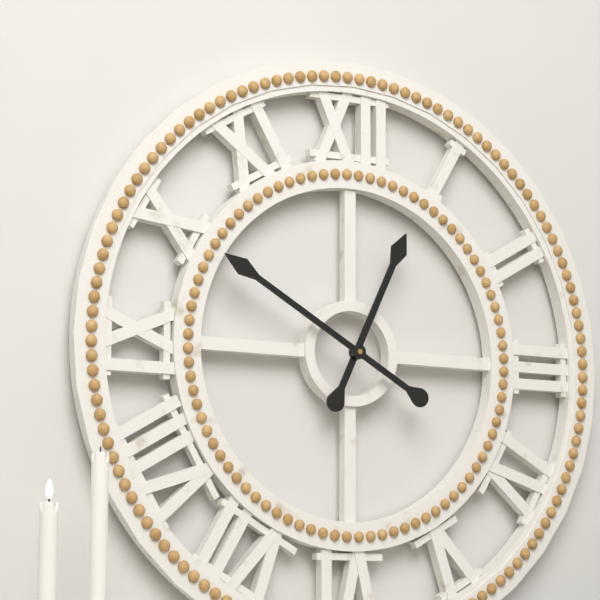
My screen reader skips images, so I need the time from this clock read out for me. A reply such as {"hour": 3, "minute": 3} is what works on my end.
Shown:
{"hour": 12, "minute": 50}
